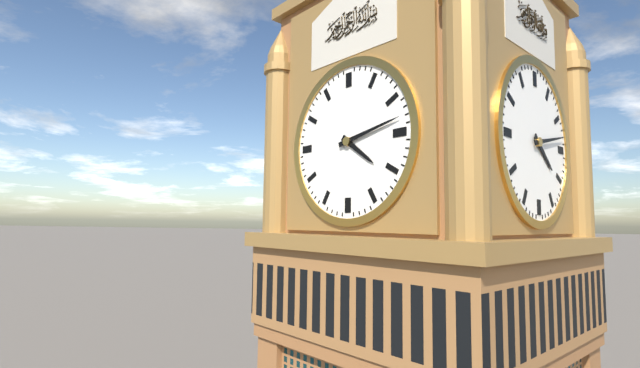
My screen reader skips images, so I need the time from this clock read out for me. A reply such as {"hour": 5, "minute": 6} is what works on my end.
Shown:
{"hour": 4, "minute": 13}
